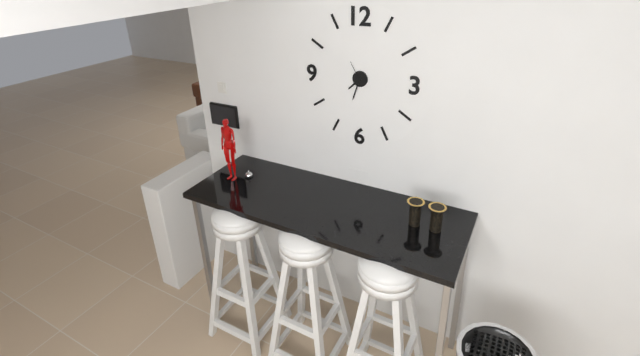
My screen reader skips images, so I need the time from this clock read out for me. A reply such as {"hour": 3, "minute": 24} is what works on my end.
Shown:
{"hour": 7, "minute": 33}
